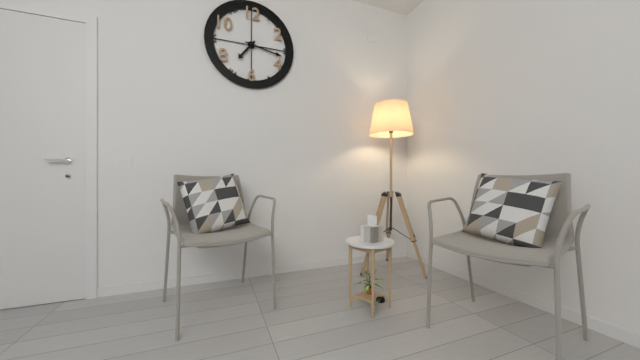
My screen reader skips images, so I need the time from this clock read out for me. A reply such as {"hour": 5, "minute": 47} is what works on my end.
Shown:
{"hour": 7, "minute": 17}
